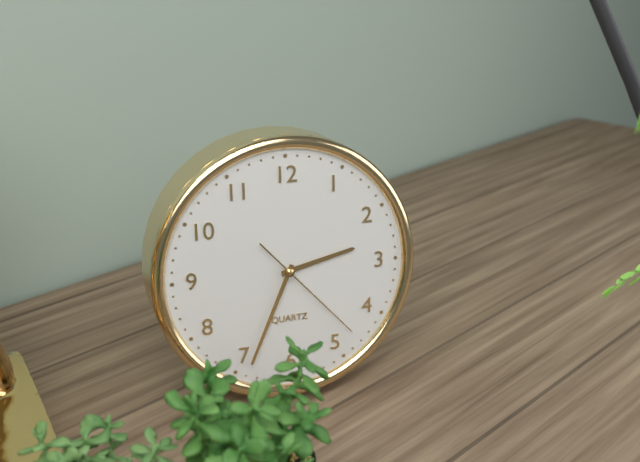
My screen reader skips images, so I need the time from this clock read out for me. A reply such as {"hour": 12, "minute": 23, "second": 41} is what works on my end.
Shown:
{"hour": 2, "minute": 34, "second": 23}
